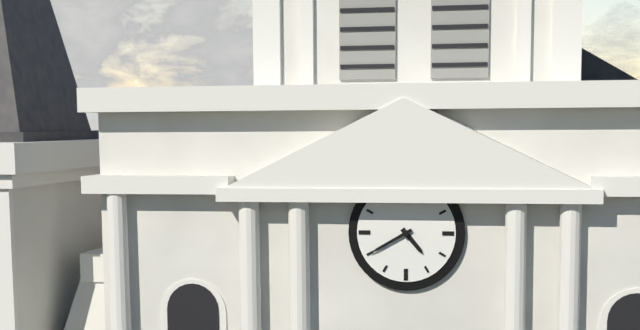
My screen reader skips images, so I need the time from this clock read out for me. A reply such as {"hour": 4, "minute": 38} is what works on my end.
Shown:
{"hour": 4, "minute": 40}
